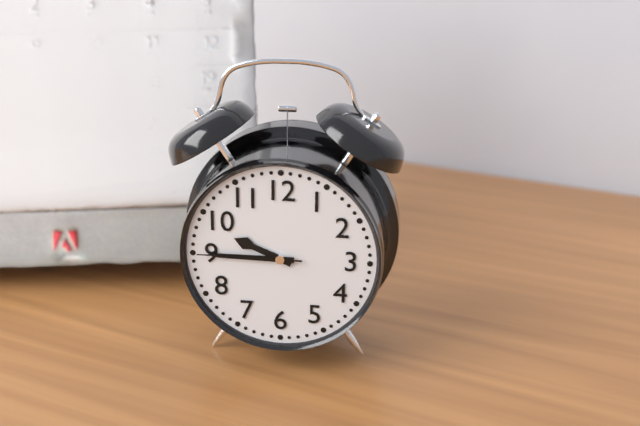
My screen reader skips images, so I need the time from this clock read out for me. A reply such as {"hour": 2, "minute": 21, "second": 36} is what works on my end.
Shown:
{"hour": 9, "minute": 45, "second": 45}
